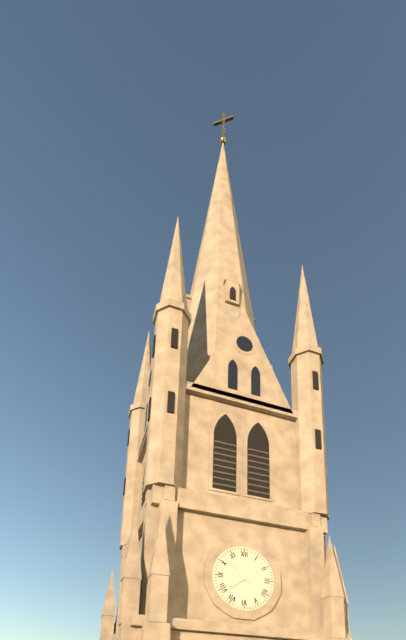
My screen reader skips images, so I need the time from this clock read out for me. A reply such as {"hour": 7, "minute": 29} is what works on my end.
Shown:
{"hour": 7, "minute": 52}
